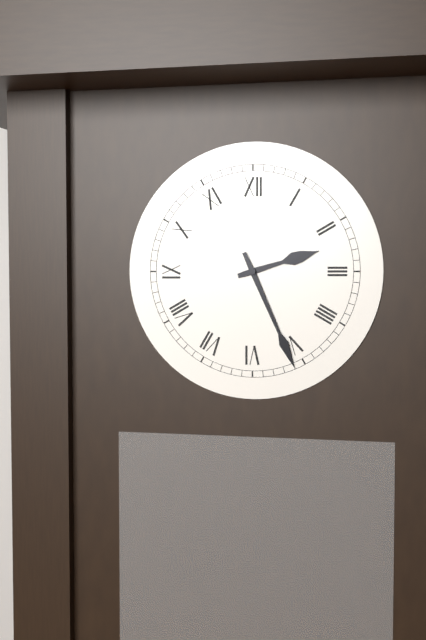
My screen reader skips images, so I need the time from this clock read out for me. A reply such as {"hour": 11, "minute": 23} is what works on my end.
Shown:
{"hour": 2, "minute": 26}
